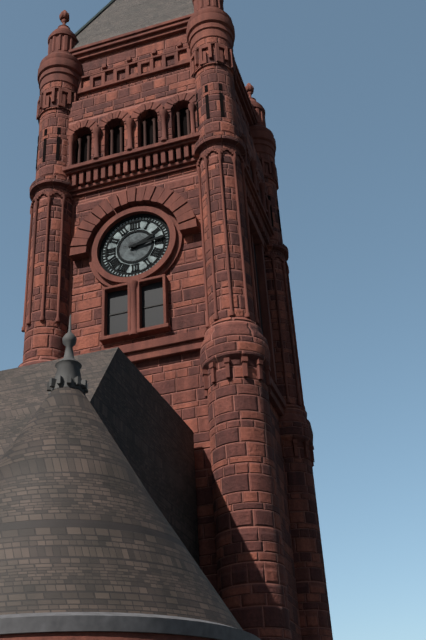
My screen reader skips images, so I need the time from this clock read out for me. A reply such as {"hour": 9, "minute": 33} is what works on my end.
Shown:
{"hour": 2, "minute": 14}
